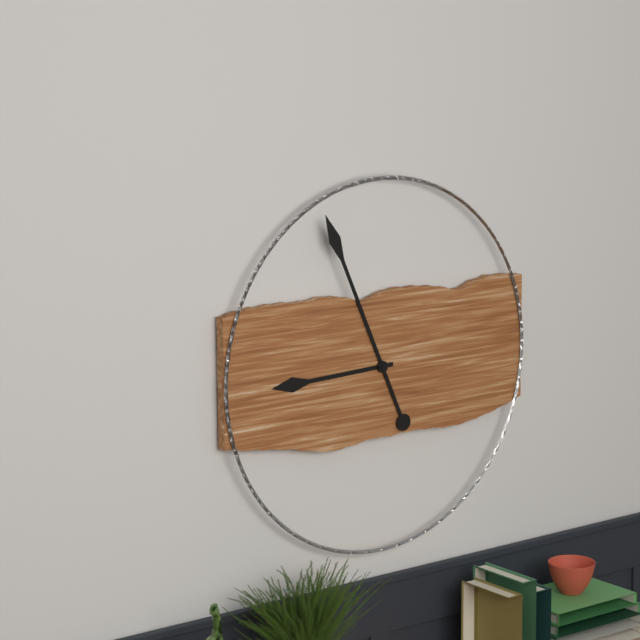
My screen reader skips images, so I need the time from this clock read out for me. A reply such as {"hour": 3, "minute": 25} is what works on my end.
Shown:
{"hour": 8, "minute": 56}
